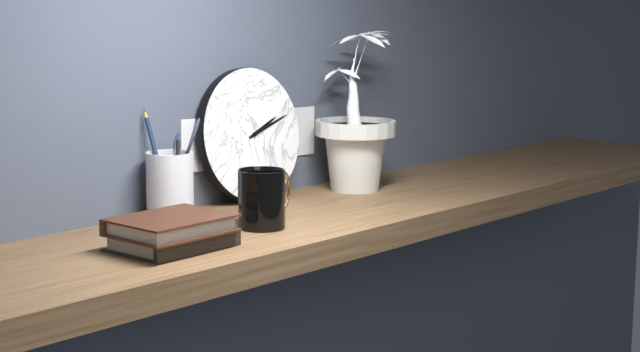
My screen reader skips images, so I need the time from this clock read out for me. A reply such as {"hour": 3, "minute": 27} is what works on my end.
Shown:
{"hour": 2, "minute": 12}
